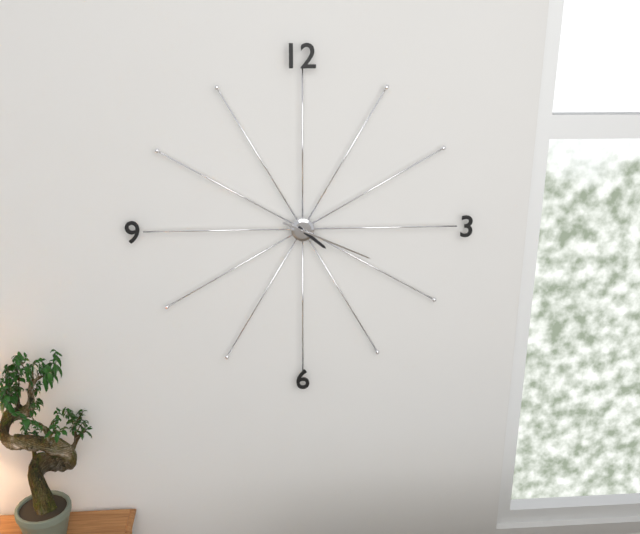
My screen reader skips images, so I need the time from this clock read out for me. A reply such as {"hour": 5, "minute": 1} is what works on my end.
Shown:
{"hour": 4, "minute": 19}
